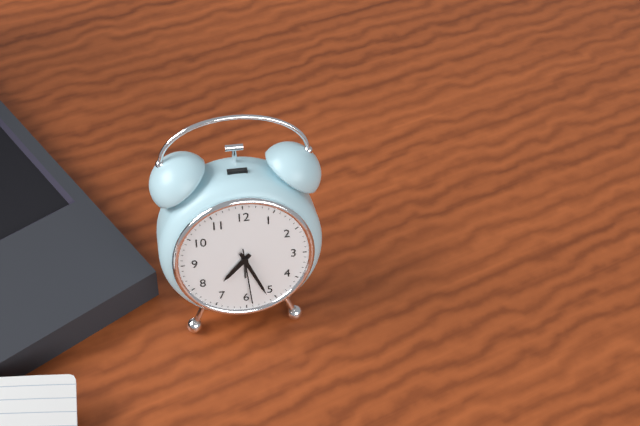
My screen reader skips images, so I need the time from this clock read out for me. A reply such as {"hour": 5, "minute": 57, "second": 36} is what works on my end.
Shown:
{"hour": 7, "minute": 26, "second": 29}
